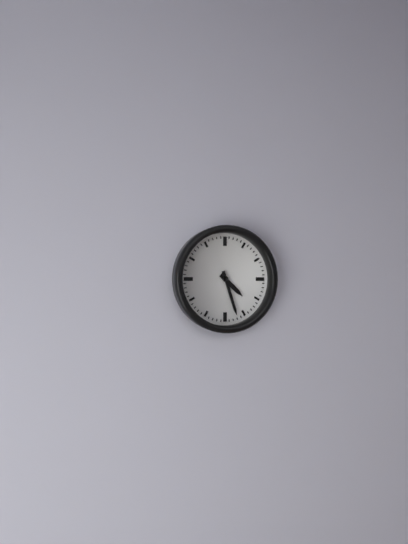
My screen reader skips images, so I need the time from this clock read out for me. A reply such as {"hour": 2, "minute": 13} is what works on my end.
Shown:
{"hour": 4, "minute": 27}
